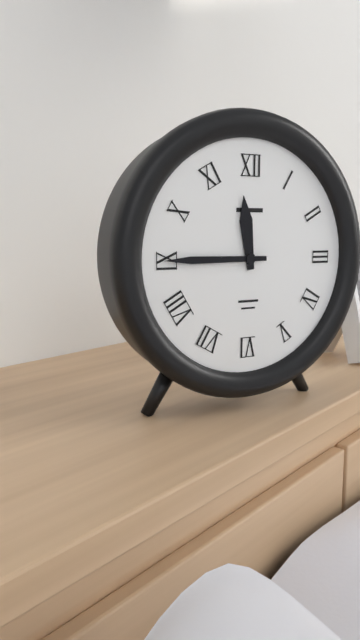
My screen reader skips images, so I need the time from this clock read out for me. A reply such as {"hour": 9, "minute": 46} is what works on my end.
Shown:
{"hour": 11, "minute": 45}
